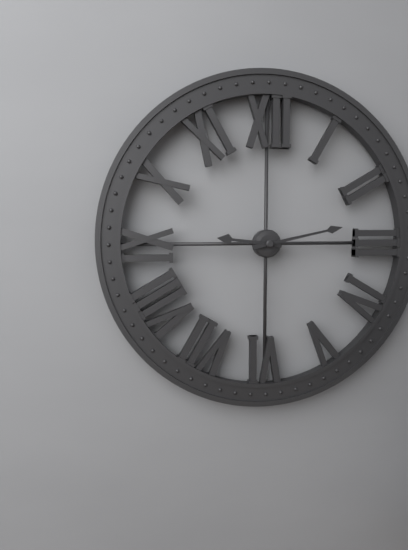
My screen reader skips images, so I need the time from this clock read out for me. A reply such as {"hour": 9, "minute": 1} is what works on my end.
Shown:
{"hour": 9, "minute": 13}
